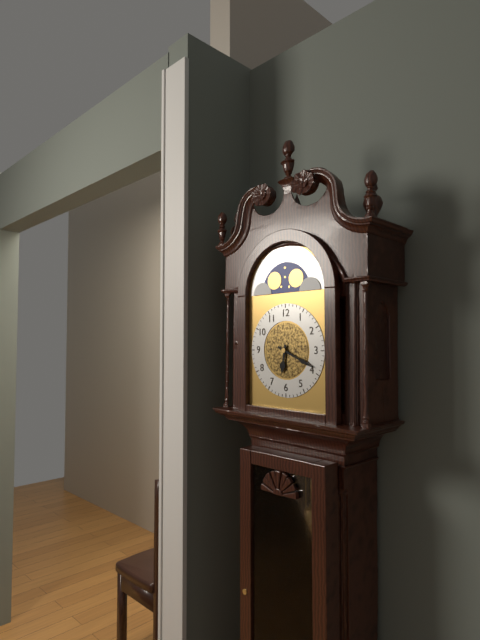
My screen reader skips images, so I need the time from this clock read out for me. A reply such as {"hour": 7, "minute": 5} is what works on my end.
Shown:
{"hour": 6, "minute": 19}
